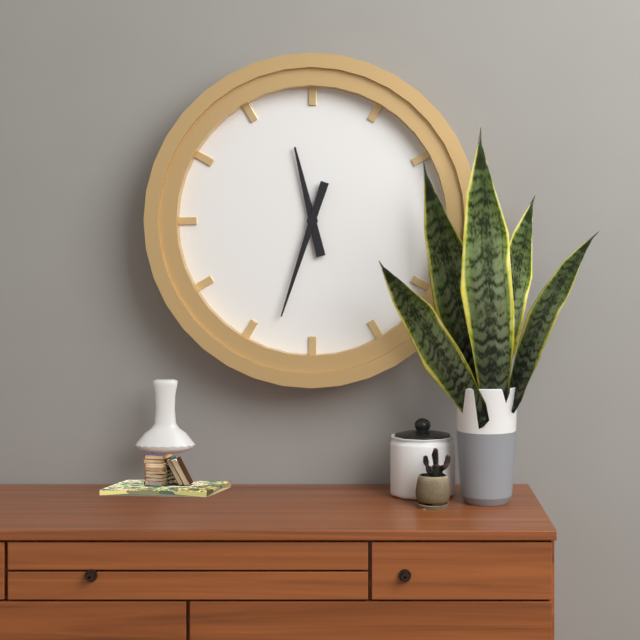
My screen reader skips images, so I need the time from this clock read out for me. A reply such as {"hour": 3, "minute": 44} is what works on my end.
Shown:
{"hour": 11, "minute": 33}
